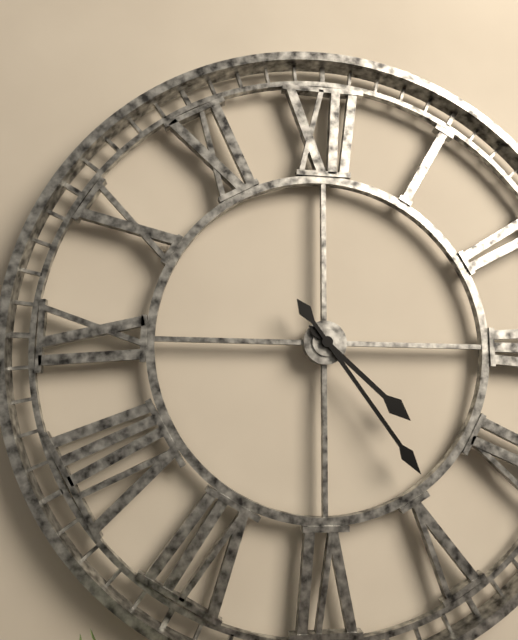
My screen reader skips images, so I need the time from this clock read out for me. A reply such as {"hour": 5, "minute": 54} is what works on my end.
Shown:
{"hour": 4, "minute": 24}
